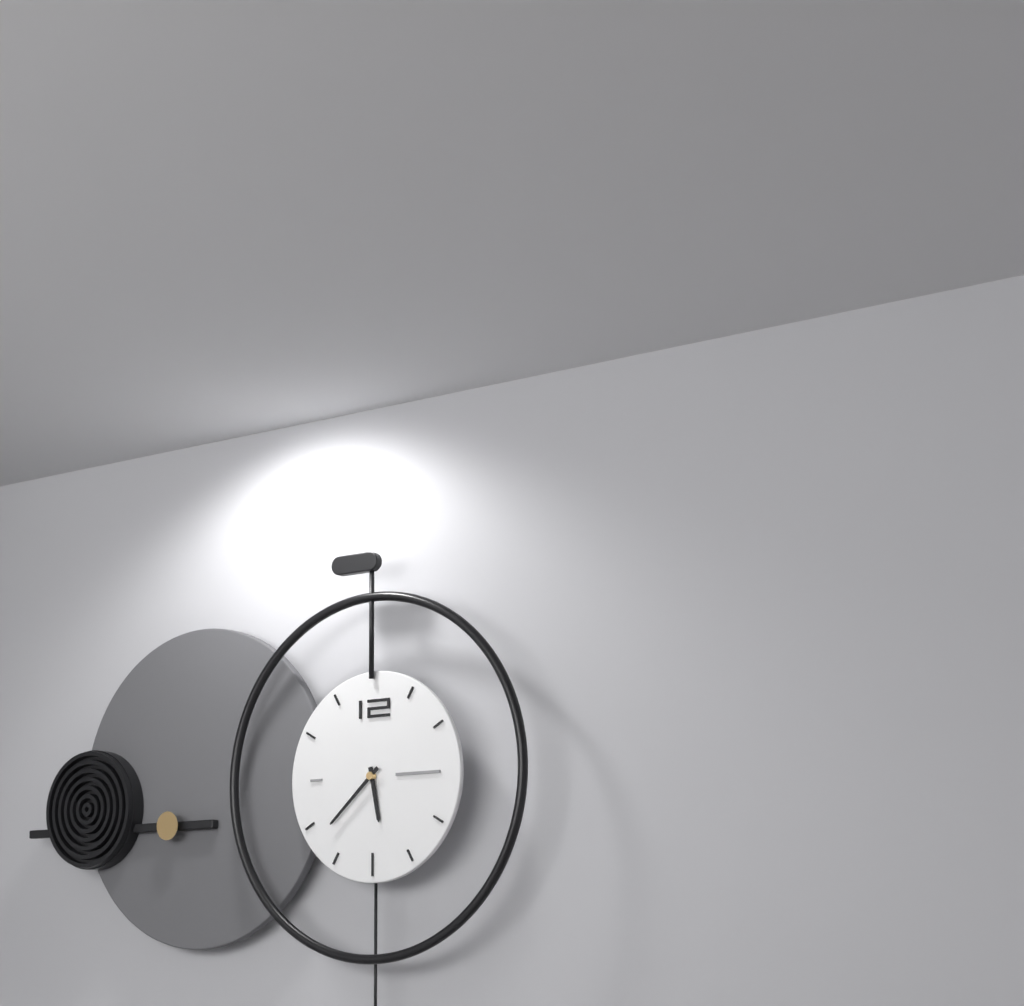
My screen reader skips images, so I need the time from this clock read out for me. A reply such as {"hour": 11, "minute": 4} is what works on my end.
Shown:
{"hour": 5, "minute": 38}
